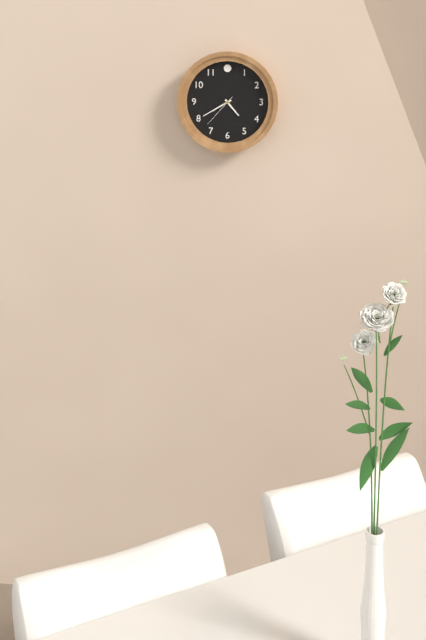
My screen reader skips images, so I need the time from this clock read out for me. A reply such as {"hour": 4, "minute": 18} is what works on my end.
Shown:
{"hour": 4, "minute": 40}
